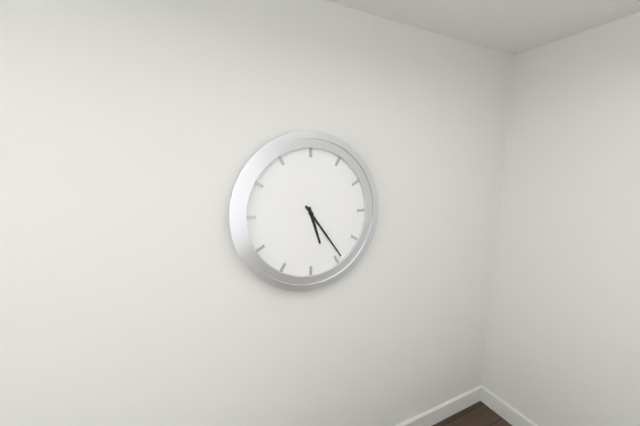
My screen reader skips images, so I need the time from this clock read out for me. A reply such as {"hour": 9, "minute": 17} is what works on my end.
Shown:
{"hour": 5, "minute": 24}
